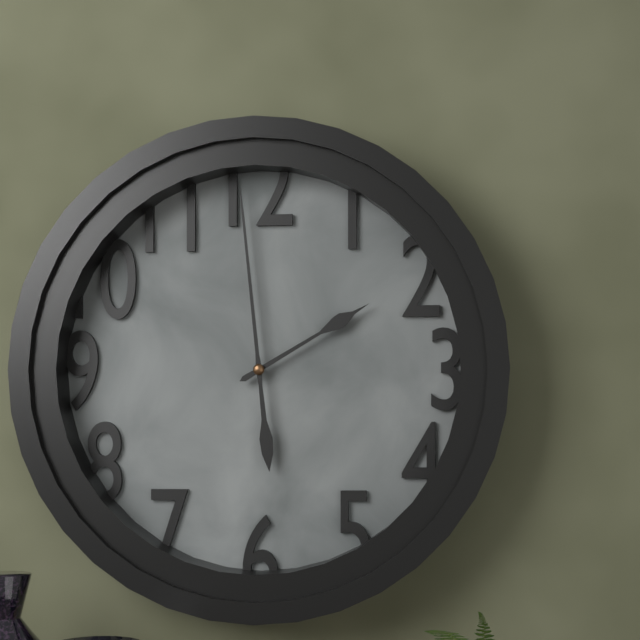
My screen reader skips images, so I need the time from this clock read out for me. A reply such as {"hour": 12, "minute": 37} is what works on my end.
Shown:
{"hour": 1, "minute": 59}
